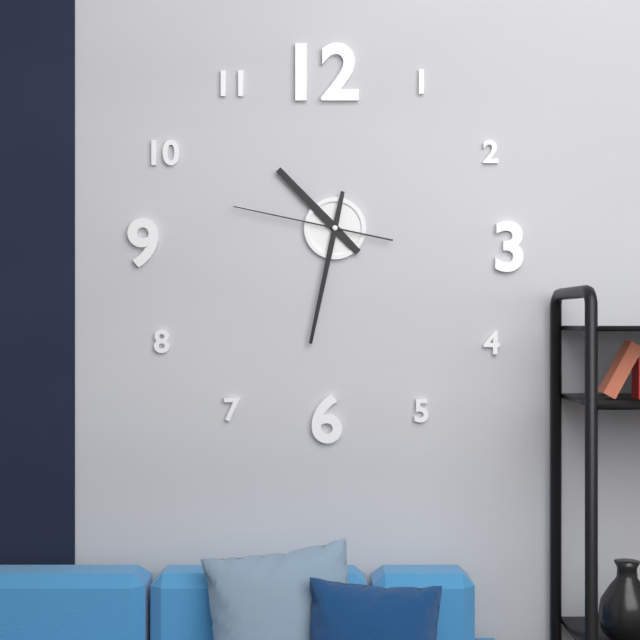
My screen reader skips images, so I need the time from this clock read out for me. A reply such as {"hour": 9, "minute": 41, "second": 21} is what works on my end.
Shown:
{"hour": 10, "minute": 32, "second": 47}
